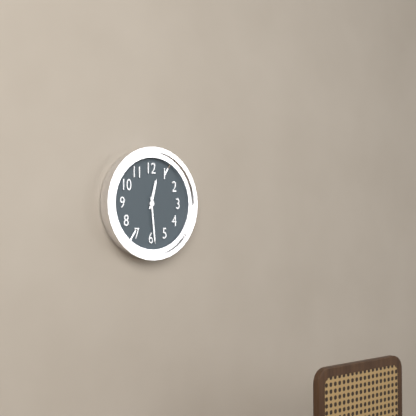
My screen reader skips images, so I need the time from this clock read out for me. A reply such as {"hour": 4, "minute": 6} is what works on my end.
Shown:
{"hour": 12, "minute": 29}
